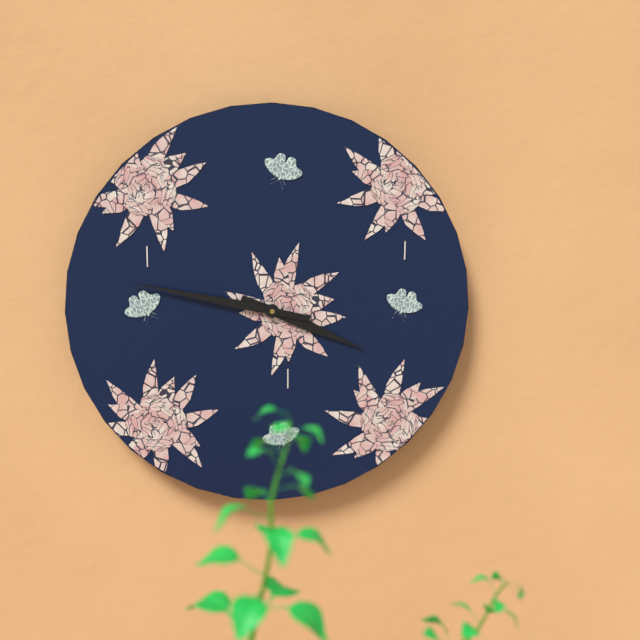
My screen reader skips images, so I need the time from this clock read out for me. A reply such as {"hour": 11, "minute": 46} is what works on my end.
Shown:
{"hour": 3, "minute": 47}
